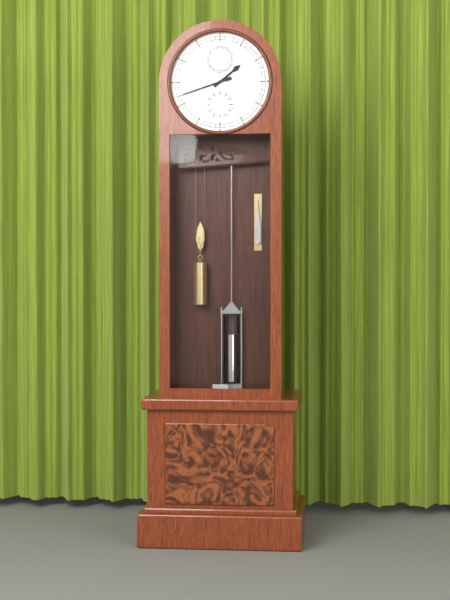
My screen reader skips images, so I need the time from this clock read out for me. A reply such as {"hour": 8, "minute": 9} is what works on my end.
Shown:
{"hour": 1, "minute": 42}
